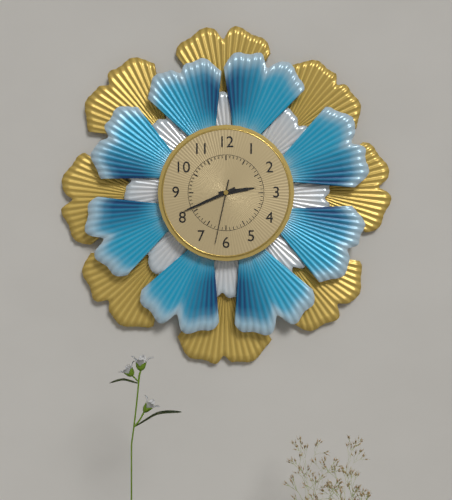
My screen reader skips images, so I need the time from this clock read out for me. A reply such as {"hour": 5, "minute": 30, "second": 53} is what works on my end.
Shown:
{"hour": 2, "minute": 41, "second": 32}
